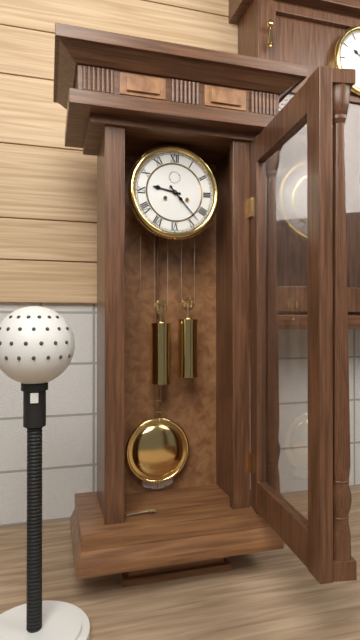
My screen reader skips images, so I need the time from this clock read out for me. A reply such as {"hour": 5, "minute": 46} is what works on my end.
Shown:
{"hour": 9, "minute": 23}
